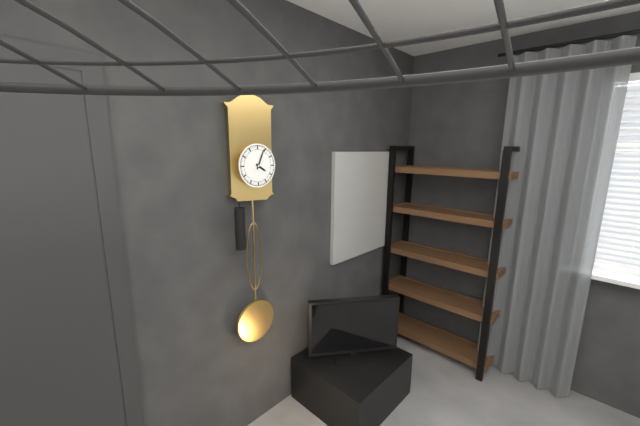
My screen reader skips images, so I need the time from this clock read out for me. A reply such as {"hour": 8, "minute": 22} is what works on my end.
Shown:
{"hour": 4, "minute": 4}
